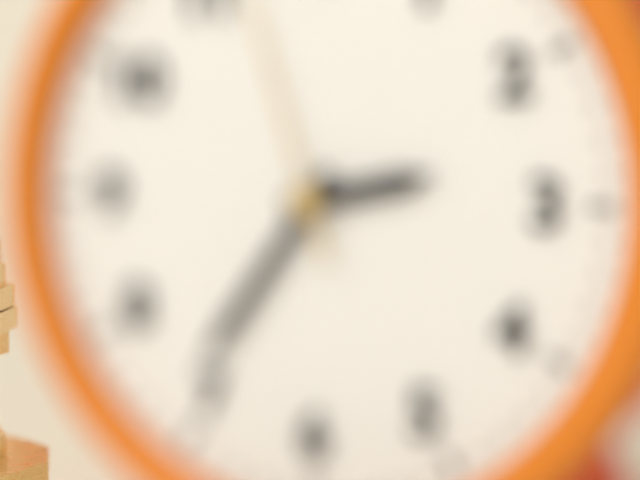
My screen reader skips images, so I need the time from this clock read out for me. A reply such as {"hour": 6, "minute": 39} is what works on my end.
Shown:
{"hour": 2, "minute": 36}
